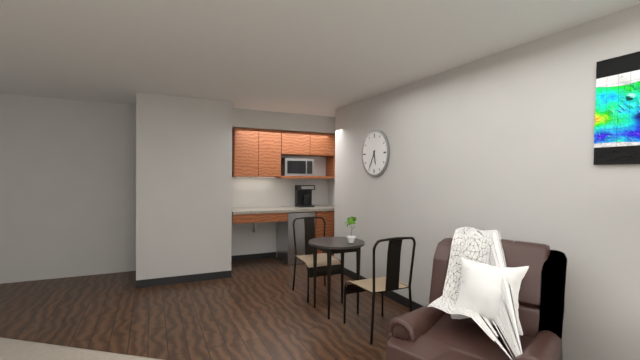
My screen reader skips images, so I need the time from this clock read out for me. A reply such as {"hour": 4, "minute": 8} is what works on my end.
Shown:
{"hour": 5, "minute": 35}
